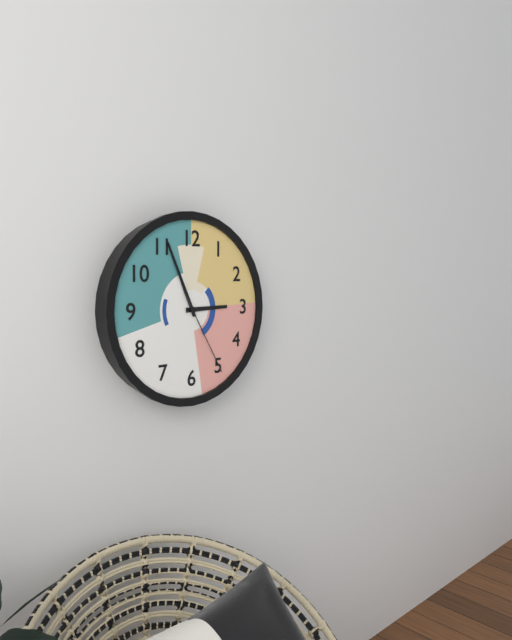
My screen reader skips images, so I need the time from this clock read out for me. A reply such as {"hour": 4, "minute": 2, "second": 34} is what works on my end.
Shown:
{"hour": 2, "minute": 56, "second": 25}
